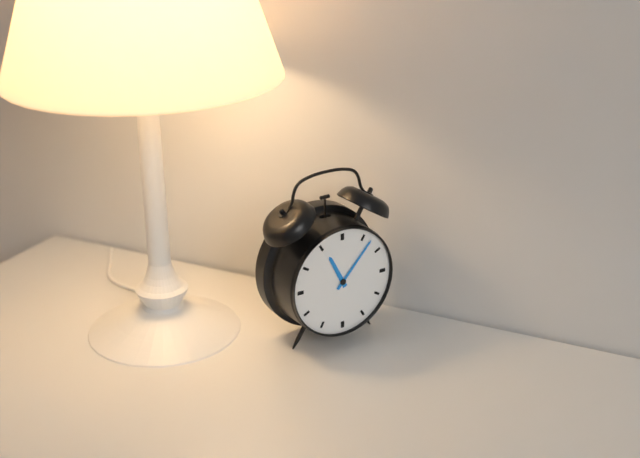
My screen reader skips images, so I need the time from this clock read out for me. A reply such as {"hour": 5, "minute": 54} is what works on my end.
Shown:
{"hour": 11, "minute": 7}
